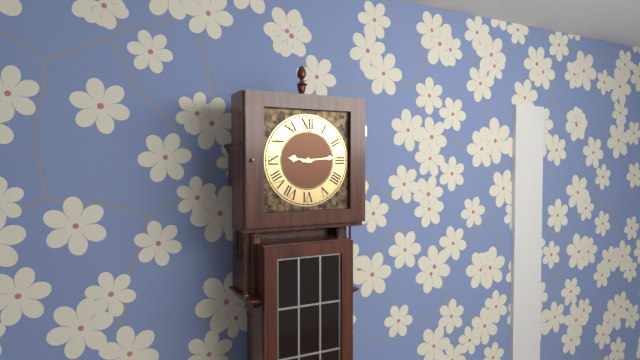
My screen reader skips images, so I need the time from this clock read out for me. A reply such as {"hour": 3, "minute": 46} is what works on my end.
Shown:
{"hour": 9, "minute": 14}
